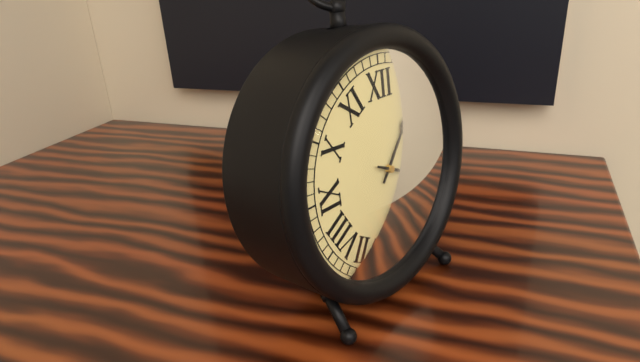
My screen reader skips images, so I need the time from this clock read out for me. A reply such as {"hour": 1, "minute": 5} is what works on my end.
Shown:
{"hour": 1, "minute": 19}
